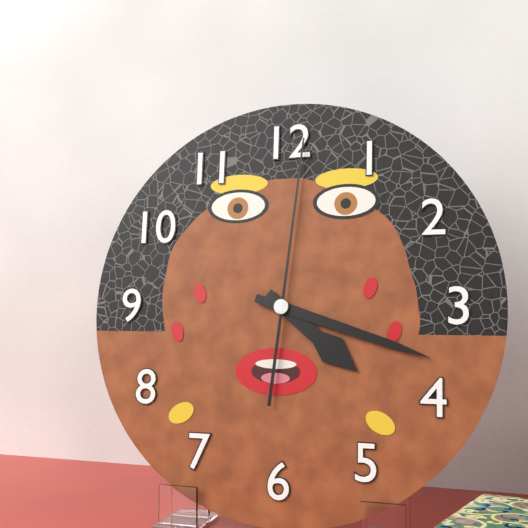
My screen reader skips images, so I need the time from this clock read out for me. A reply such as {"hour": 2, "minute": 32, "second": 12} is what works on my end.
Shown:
{"hour": 4, "minute": 18, "second": 1}
